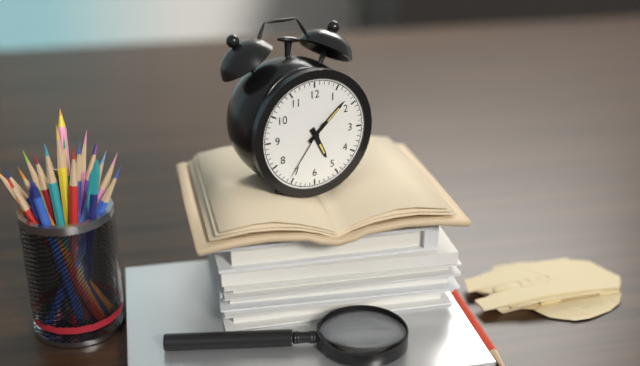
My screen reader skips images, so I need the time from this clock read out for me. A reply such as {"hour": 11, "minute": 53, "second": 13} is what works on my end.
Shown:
{"hour": 5, "minute": 8, "second": 36}
